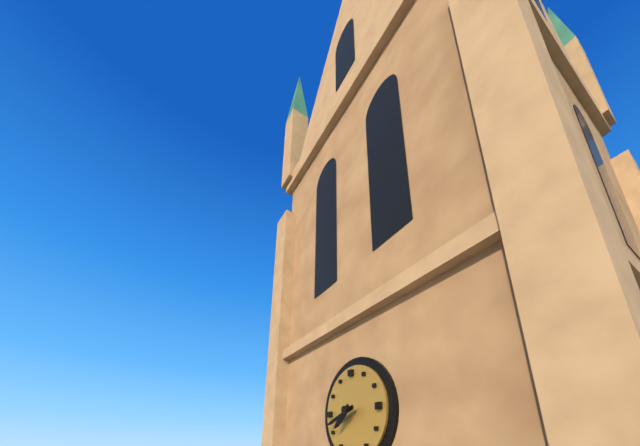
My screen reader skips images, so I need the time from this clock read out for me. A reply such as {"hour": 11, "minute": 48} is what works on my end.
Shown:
{"hour": 7, "minute": 42}
